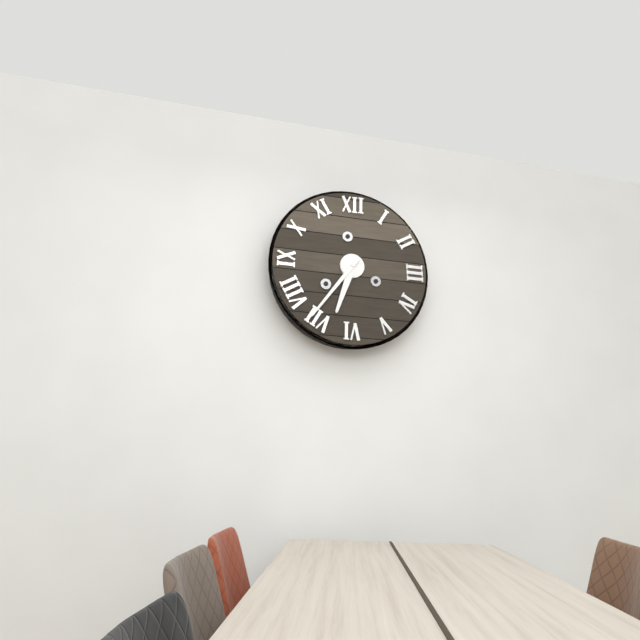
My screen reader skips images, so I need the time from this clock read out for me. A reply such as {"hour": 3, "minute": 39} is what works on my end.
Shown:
{"hour": 6, "minute": 36}
